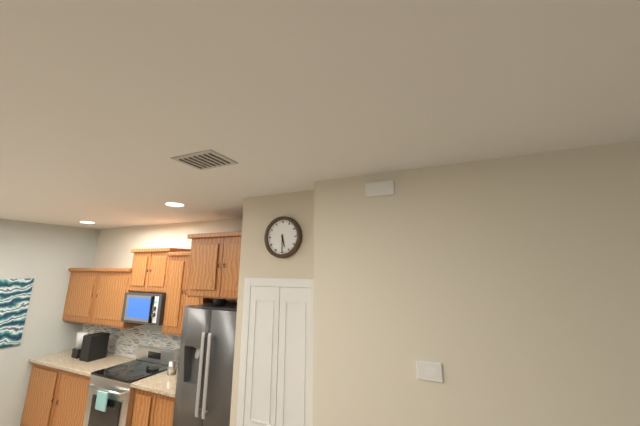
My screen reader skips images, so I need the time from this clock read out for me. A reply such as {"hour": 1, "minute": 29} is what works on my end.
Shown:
{"hour": 5, "minute": 30}
